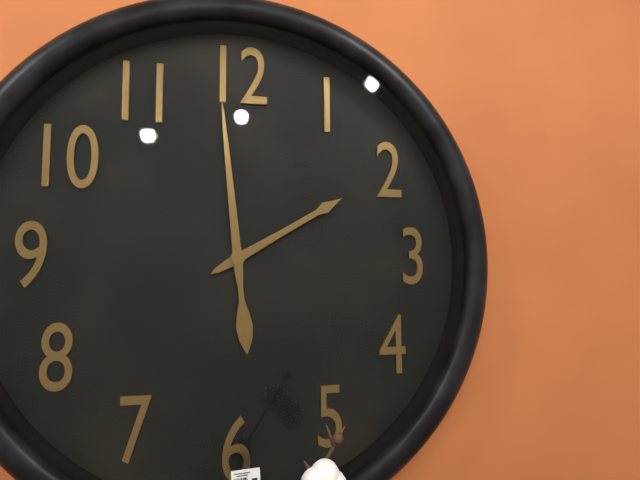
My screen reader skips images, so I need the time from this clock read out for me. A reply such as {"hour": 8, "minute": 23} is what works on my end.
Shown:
{"hour": 1, "minute": 59}
